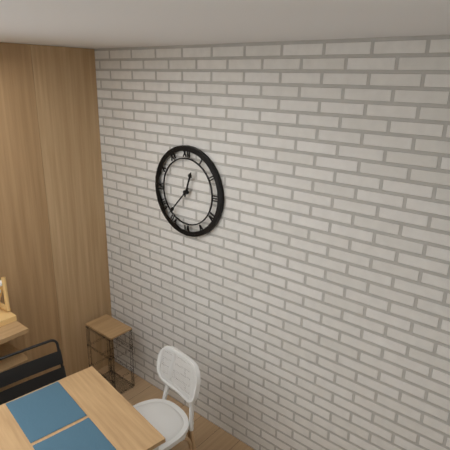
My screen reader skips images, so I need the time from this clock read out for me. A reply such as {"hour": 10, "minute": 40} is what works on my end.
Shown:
{"hour": 12, "minute": 37}
